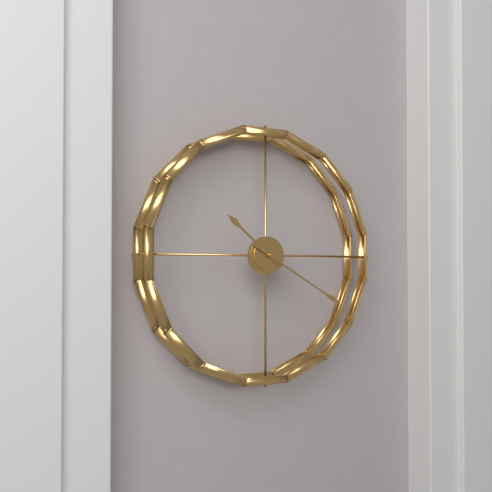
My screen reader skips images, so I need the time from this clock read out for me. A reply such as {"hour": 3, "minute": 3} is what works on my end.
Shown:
{"hour": 10, "minute": 20}
